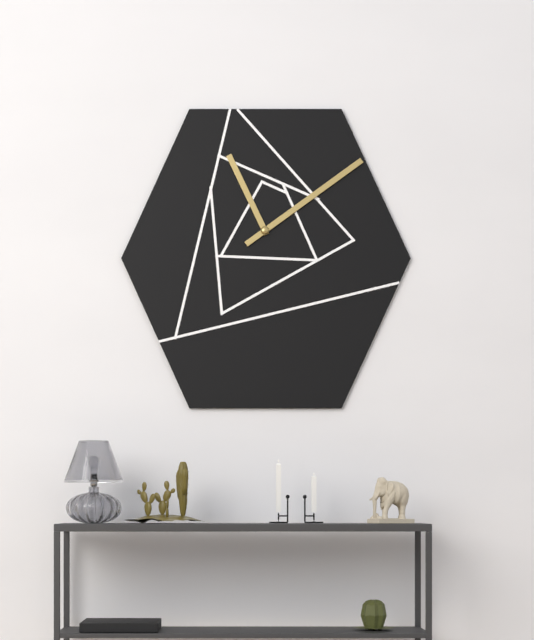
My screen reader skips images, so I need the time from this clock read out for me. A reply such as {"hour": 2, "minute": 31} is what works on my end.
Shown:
{"hour": 11, "minute": 9}
